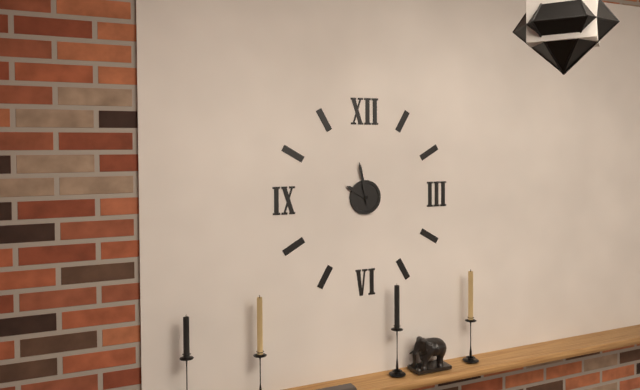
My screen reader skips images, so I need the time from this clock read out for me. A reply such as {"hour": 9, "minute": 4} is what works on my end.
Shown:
{"hour": 9, "minute": 58}
